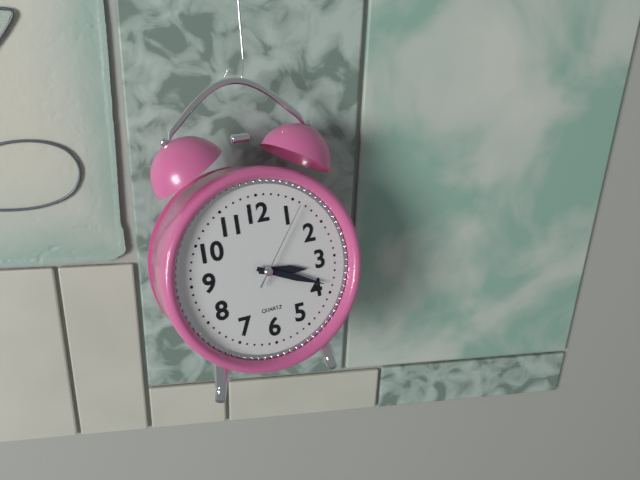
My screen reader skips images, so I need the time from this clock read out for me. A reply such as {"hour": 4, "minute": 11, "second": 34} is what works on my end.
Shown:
{"hour": 3, "minute": 19, "second": 6}
